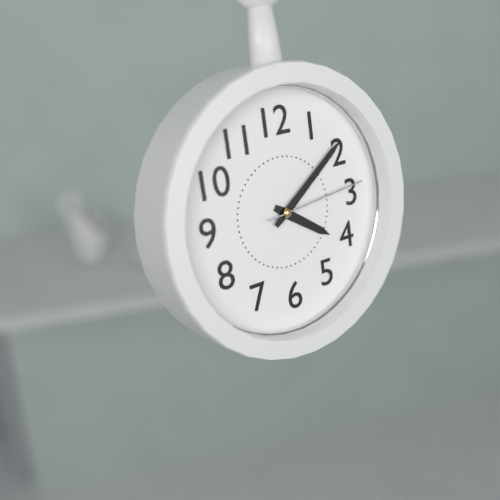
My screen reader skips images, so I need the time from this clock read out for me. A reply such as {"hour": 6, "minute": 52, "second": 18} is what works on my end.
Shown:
{"hour": 4, "minute": 9, "second": 14}
